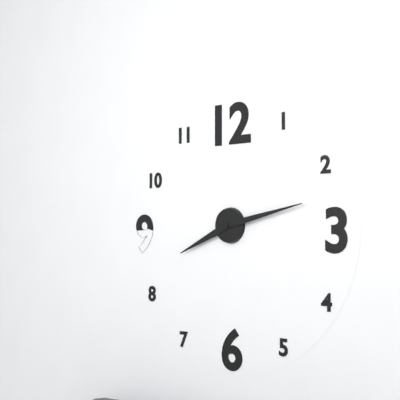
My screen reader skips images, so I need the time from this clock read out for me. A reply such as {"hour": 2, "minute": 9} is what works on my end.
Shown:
{"hour": 8, "minute": 13}
